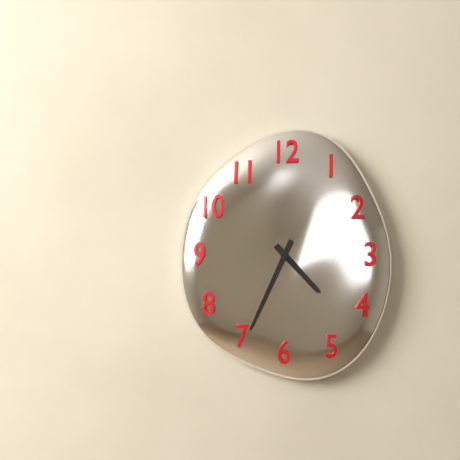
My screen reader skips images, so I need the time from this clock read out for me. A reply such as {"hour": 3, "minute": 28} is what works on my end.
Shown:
{"hour": 4, "minute": 34}
